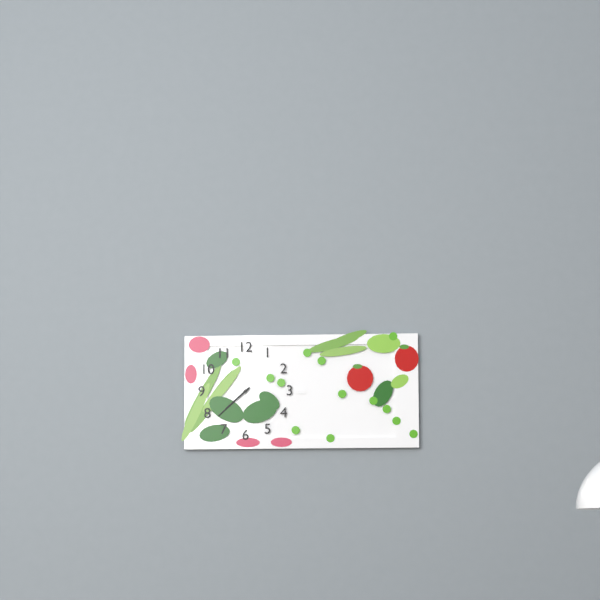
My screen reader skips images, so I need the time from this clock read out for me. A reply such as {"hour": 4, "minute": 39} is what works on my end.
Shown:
{"hour": 7, "minute": 38}
